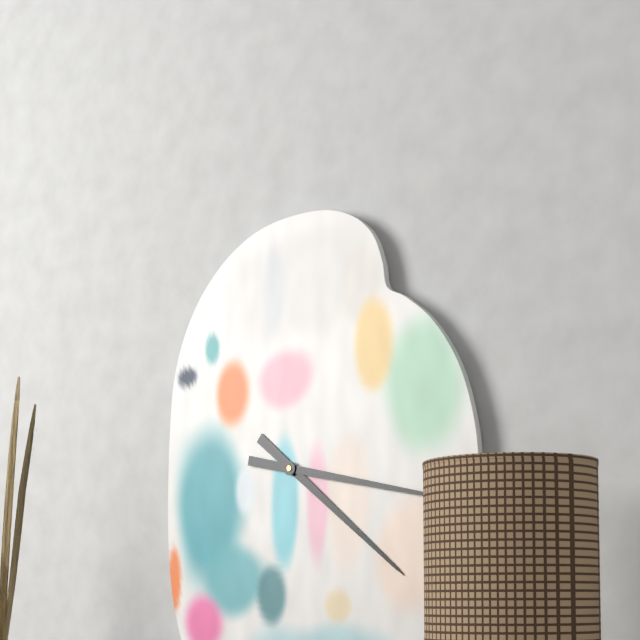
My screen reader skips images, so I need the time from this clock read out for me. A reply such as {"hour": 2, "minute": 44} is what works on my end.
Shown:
{"hour": 4, "minute": 17}
